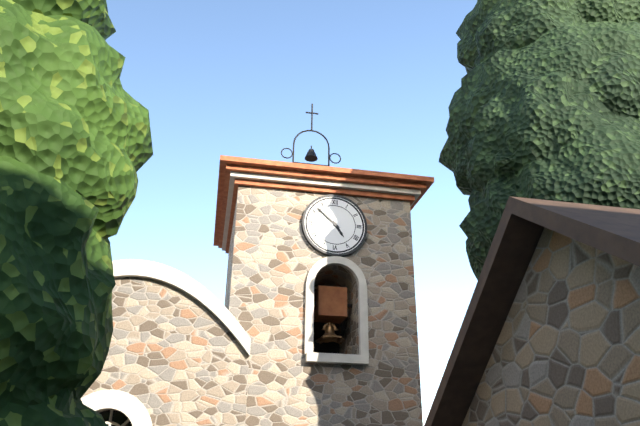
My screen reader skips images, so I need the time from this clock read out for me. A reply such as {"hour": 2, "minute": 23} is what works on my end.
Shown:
{"hour": 4, "minute": 52}
